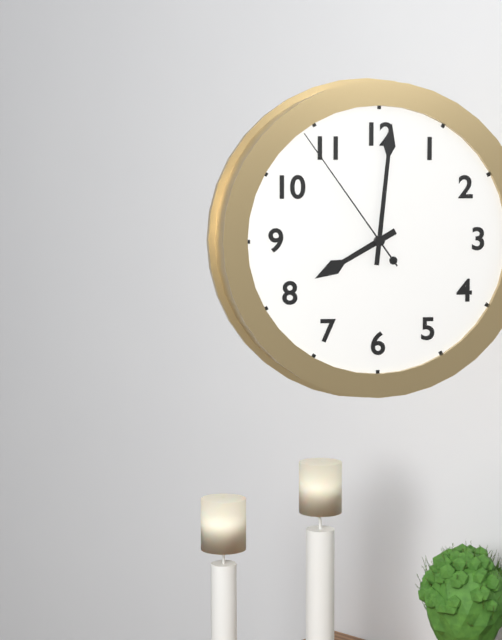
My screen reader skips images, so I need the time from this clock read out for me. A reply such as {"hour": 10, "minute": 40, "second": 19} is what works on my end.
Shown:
{"hour": 8, "minute": 1, "second": 54}
